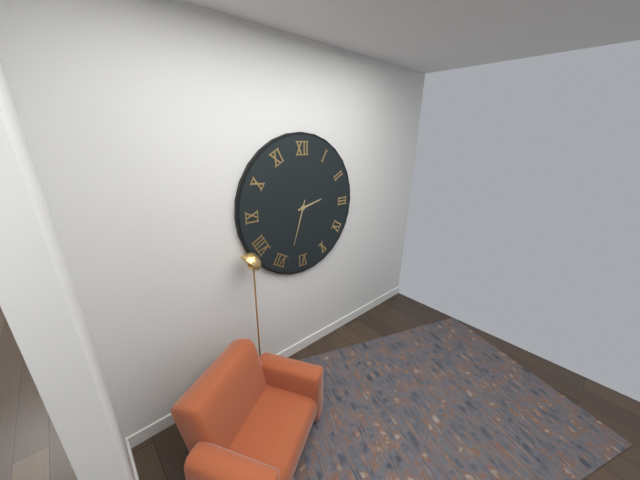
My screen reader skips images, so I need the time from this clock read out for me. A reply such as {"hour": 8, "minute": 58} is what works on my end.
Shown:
{"hour": 2, "minute": 33}
